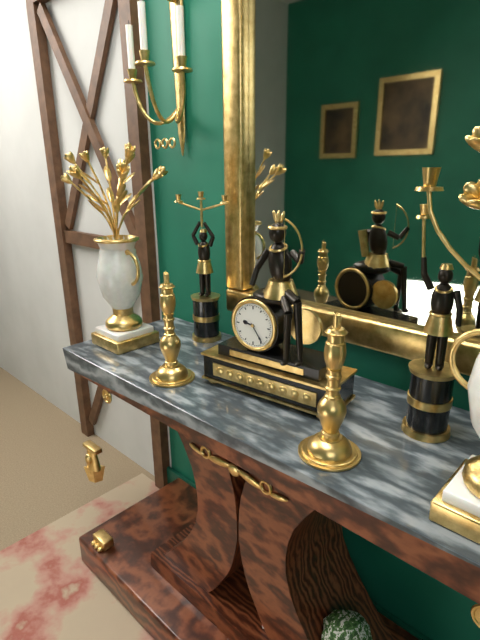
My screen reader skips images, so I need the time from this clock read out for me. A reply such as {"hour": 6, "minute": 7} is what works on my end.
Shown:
{"hour": 9, "minute": 24}
